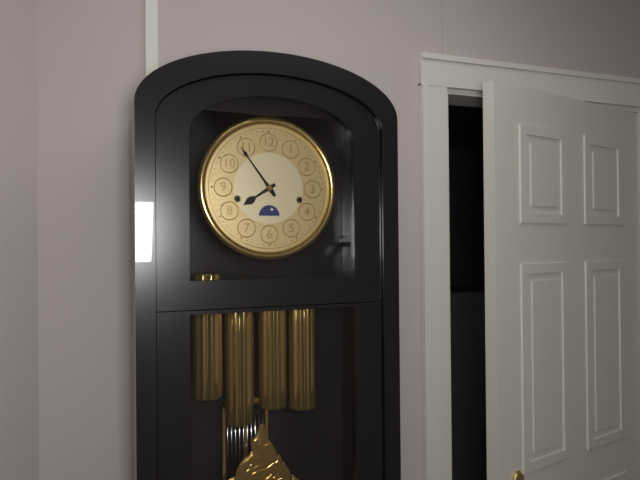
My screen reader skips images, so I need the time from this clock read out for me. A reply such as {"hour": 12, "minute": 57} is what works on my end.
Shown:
{"hour": 7, "minute": 54}
